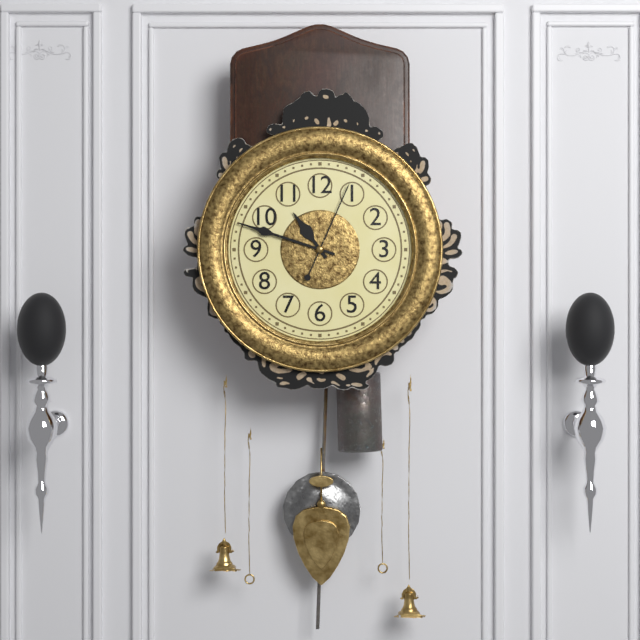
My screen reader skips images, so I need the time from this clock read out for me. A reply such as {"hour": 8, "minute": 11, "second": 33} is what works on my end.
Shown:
{"hour": 10, "minute": 48, "second": 4}
